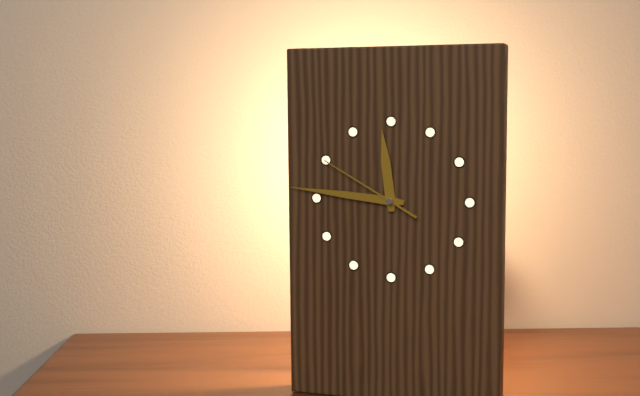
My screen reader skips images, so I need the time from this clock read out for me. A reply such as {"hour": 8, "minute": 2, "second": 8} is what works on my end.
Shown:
{"hour": 11, "minute": 46, "second": 50}
